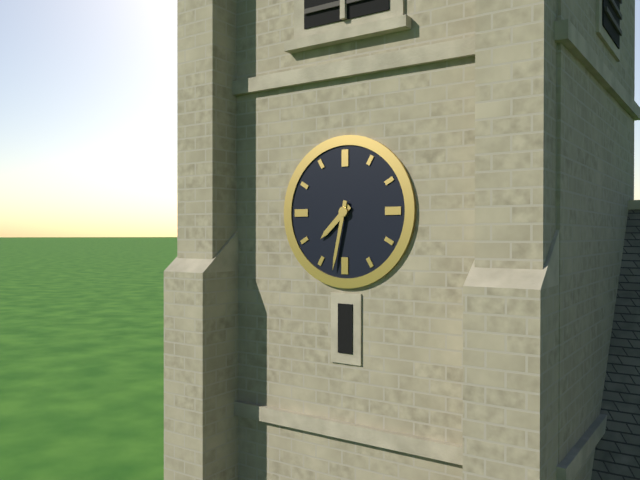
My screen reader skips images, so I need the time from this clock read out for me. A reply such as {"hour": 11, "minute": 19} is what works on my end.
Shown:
{"hour": 7, "minute": 32}
